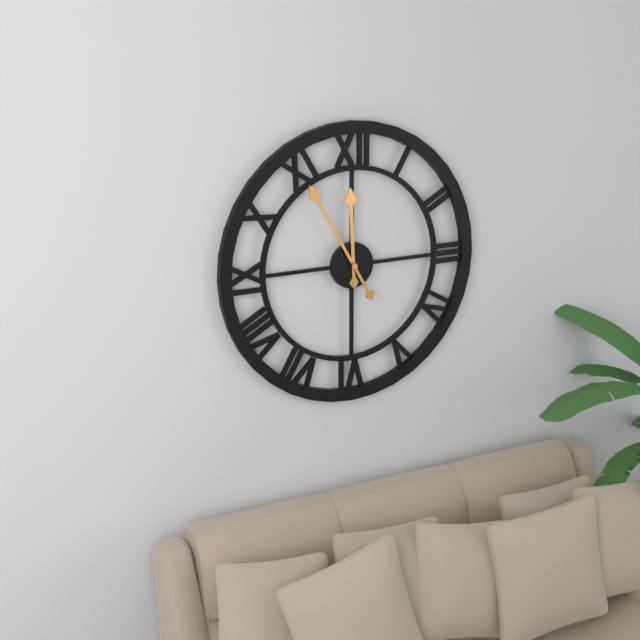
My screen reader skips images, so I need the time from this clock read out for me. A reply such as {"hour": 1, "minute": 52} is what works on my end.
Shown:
{"hour": 11, "minute": 55}
